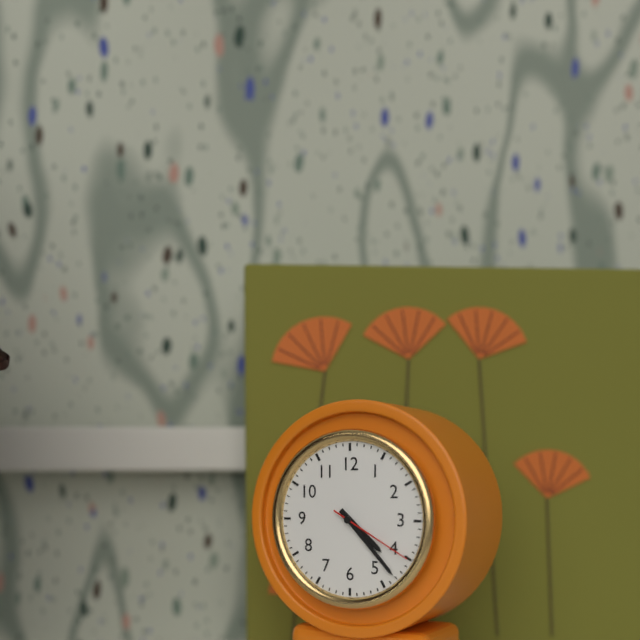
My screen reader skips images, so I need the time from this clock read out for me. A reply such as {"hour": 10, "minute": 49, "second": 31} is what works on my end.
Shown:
{"hour": 4, "minute": 23, "second": 20}
